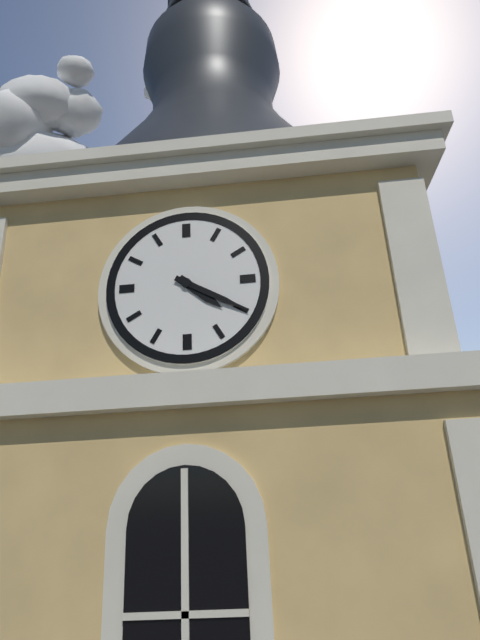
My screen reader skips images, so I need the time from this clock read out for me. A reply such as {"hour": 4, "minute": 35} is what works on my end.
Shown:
{"hour": 4, "minute": 20}
